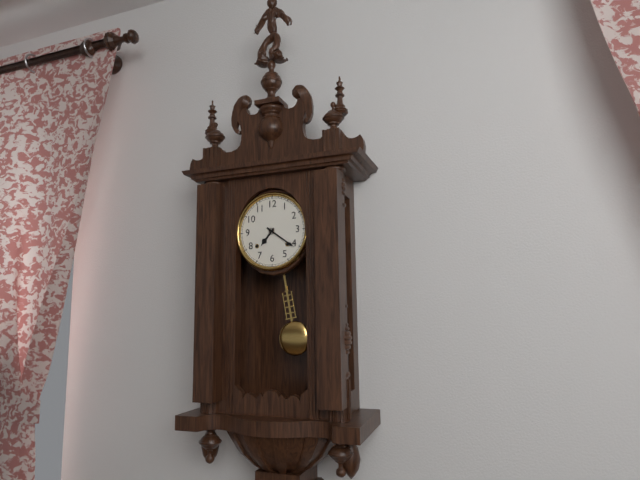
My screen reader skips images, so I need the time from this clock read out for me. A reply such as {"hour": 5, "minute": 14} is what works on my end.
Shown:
{"hour": 7, "minute": 21}
